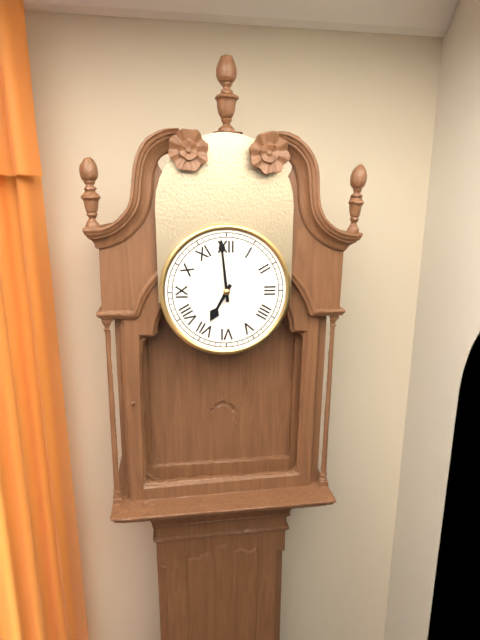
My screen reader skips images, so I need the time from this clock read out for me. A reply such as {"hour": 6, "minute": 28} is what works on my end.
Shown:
{"hour": 6, "minute": 59}
